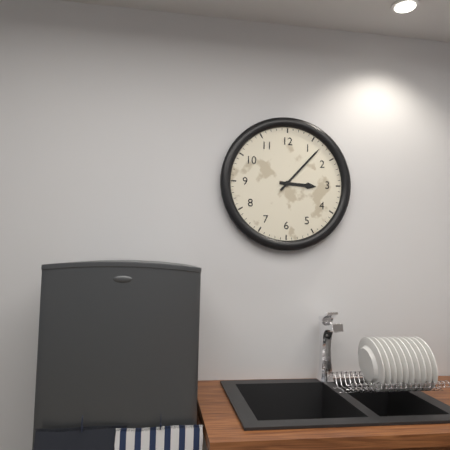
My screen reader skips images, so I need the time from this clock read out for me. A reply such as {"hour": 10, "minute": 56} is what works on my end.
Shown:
{"hour": 3, "minute": 7}
